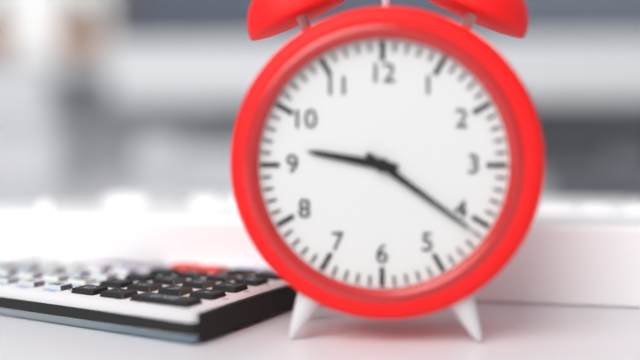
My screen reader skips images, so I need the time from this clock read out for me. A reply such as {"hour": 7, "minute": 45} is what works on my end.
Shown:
{"hour": 9, "minute": 21}
